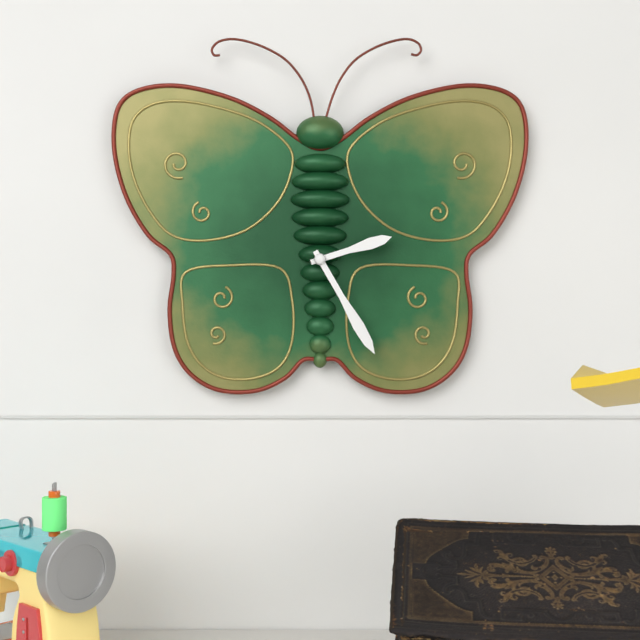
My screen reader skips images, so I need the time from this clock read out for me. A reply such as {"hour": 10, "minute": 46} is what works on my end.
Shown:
{"hour": 2, "minute": 25}
